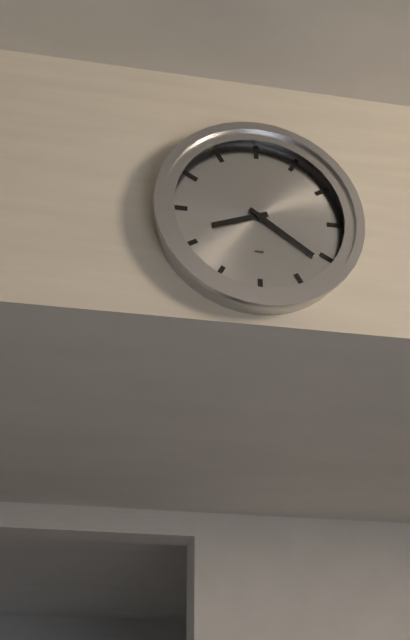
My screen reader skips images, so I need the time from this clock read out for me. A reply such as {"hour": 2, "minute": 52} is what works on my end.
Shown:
{"hour": 8, "minute": 21}
